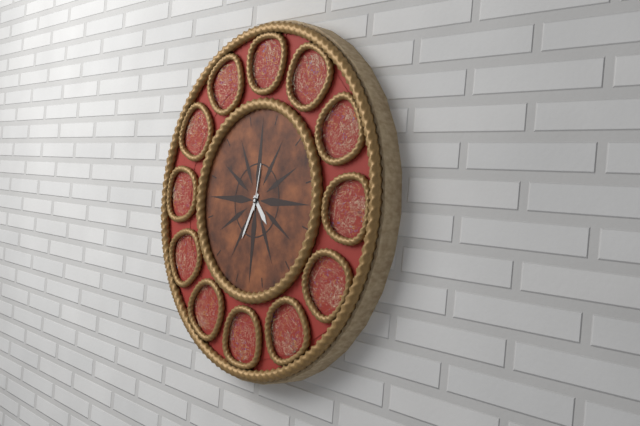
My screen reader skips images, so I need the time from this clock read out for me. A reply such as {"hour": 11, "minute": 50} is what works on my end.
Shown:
{"hour": 4, "minute": 34}
